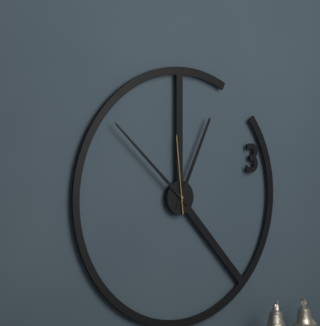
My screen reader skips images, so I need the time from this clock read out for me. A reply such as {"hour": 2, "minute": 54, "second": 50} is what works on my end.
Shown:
{"hour": 12, "minute": 52, "second": 59}
